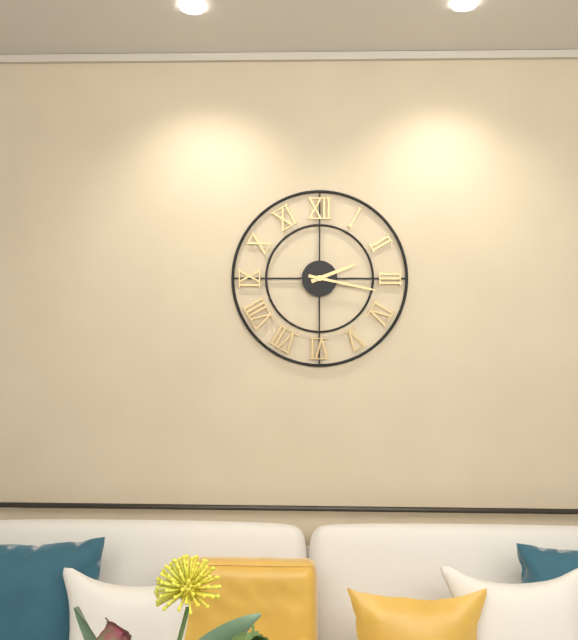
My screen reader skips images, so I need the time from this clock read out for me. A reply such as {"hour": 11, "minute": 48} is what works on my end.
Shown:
{"hour": 2, "minute": 17}
